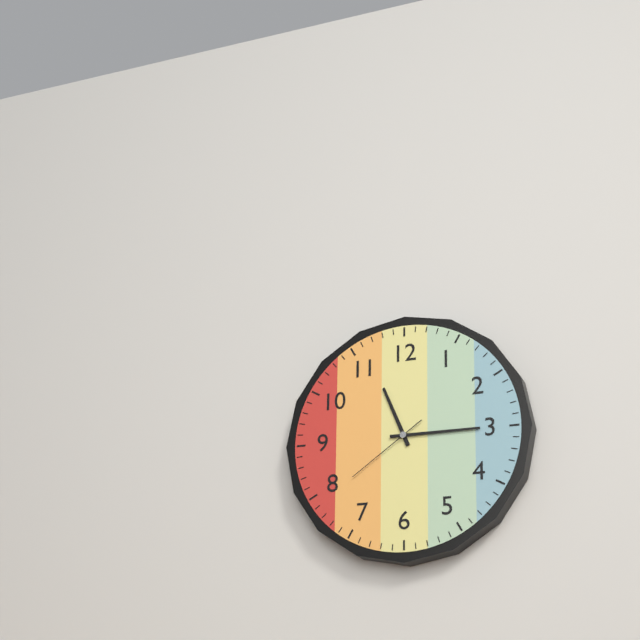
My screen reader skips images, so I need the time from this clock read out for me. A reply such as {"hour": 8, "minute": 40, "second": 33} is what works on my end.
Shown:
{"hour": 11, "minute": 15, "second": 39}
